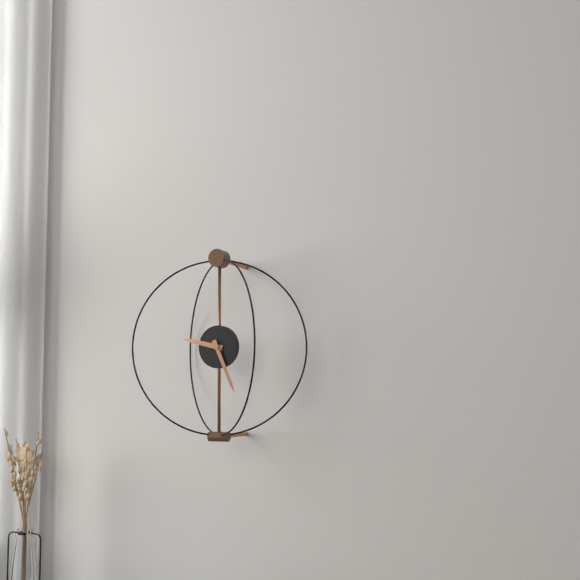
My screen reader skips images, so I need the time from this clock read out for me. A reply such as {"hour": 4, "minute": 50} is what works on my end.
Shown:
{"hour": 9, "minute": 26}
